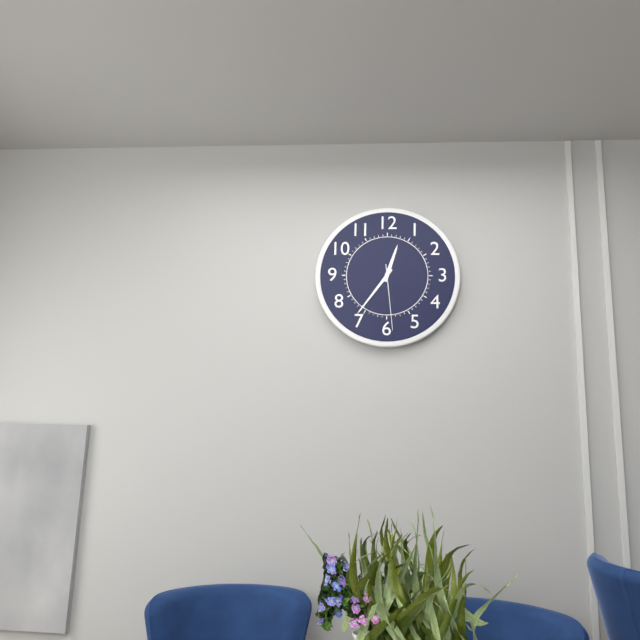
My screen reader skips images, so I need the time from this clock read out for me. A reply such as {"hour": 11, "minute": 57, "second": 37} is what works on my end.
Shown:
{"hour": 12, "minute": 36, "second": 29}
